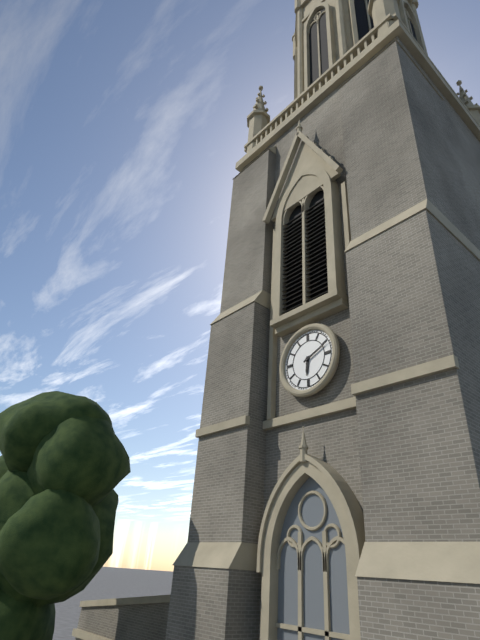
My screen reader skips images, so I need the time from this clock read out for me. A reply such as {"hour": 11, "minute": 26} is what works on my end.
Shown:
{"hour": 6, "minute": 11}
